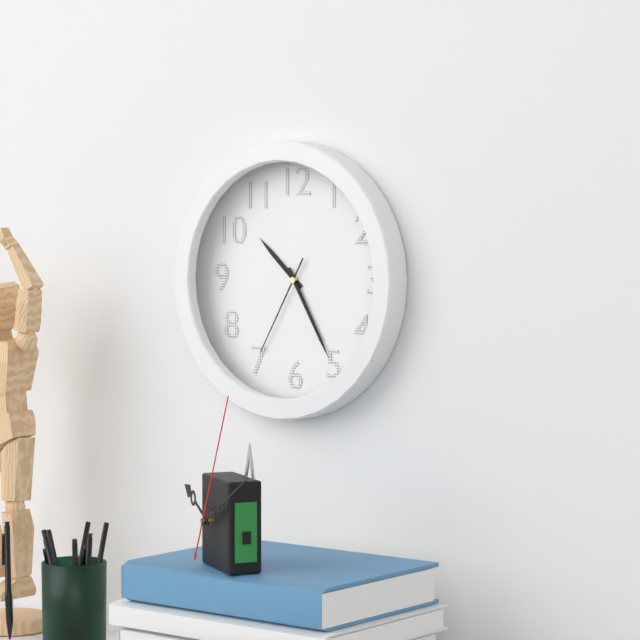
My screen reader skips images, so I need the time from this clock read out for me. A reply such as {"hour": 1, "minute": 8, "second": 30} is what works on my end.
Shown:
{"hour": 10, "minute": 25, "second": 35}
